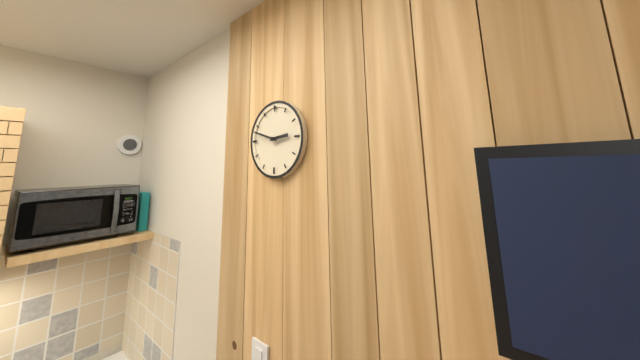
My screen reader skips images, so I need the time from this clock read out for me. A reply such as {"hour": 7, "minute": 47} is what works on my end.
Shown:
{"hour": 2, "minute": 48}
